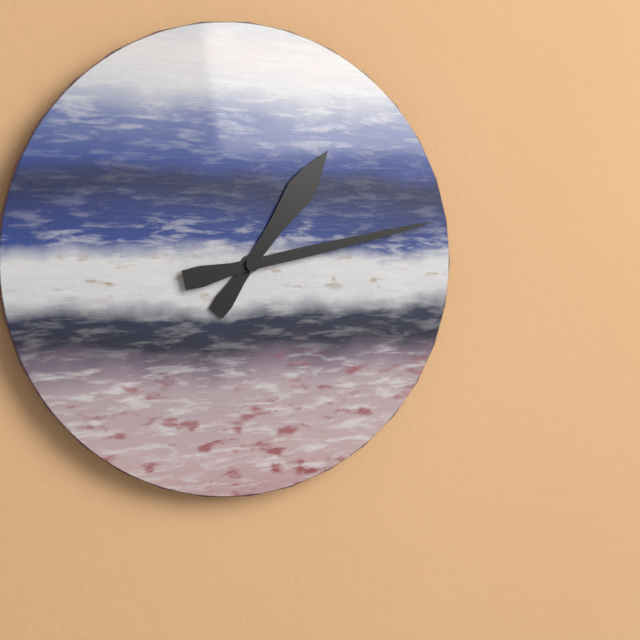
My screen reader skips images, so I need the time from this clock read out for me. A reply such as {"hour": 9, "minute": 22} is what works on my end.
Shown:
{"hour": 1, "minute": 13}
